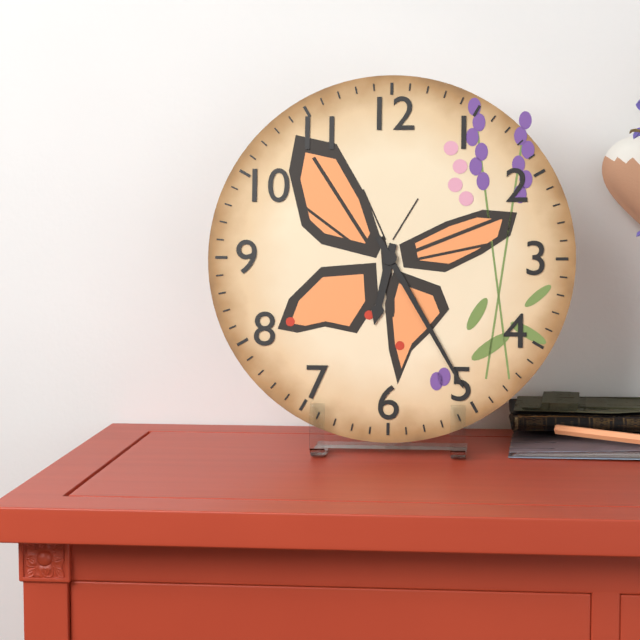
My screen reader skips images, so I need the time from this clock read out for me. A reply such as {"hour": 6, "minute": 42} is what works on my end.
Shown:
{"hour": 6, "minute": 25}
